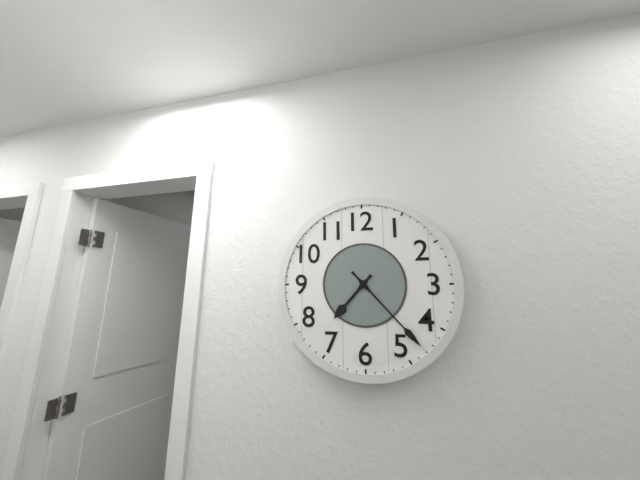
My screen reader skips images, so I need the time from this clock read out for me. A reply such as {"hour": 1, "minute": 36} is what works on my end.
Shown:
{"hour": 7, "minute": 23}
